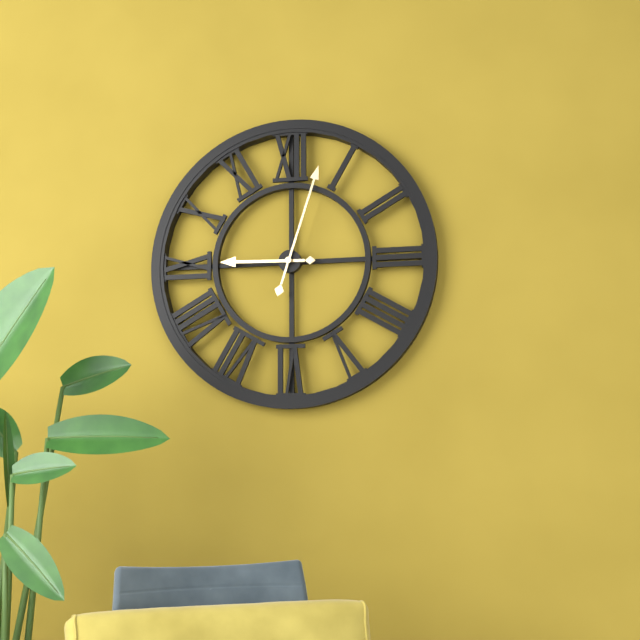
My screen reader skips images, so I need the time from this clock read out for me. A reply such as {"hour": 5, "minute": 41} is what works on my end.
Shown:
{"hour": 9, "minute": 3}
